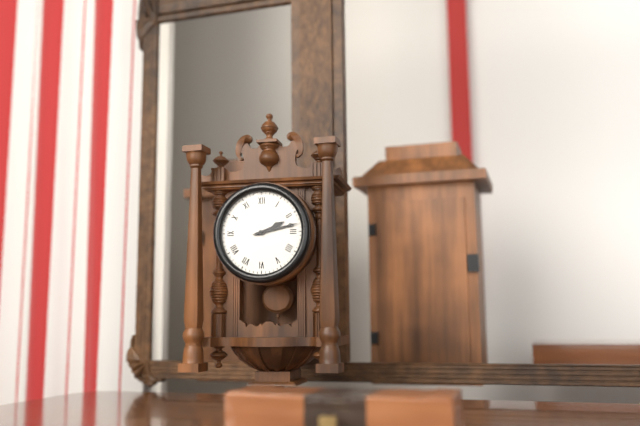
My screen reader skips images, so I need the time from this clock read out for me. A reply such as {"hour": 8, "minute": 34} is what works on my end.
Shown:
{"hour": 2, "minute": 13}
